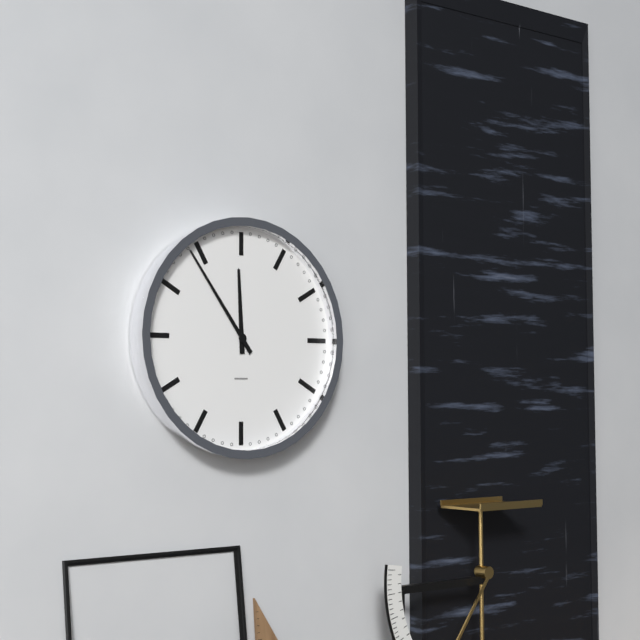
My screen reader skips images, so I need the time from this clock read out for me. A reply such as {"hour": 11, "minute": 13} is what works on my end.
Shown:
{"hour": 11, "minute": 54}
